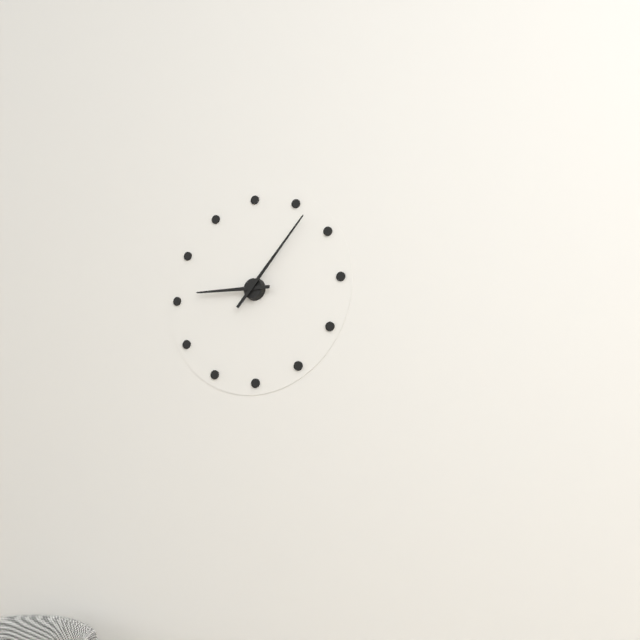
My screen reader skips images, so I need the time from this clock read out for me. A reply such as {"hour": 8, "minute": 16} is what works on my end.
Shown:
{"hour": 9, "minute": 7}
